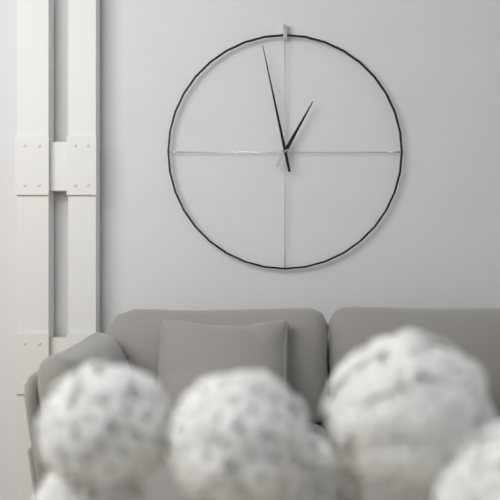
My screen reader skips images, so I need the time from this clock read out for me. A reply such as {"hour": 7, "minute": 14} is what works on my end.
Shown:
{"hour": 12, "minute": 58}
